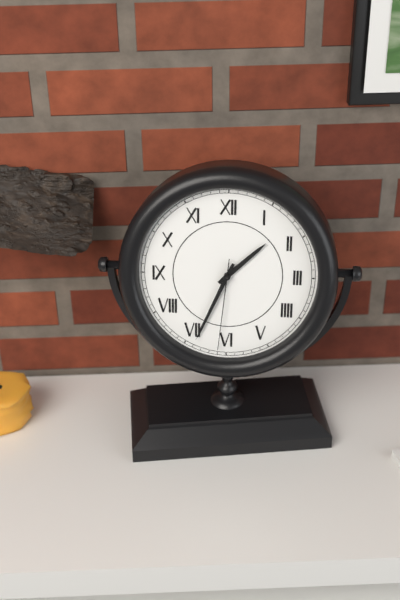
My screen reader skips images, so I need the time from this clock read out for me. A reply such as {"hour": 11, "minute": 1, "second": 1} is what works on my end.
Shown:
{"hour": 1, "minute": 34, "second": 31}
